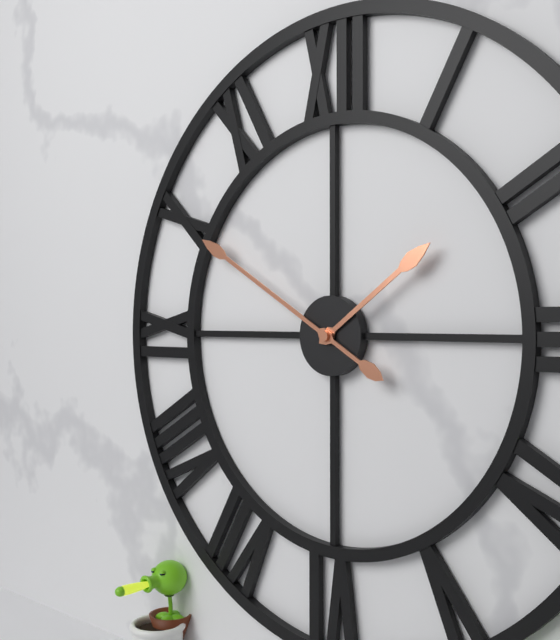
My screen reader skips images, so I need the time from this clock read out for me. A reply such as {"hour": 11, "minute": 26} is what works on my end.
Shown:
{"hour": 1, "minute": 50}
